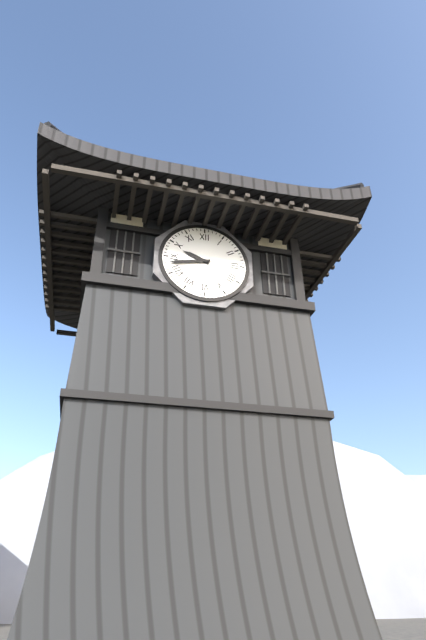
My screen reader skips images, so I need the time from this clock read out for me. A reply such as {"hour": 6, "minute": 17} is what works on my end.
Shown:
{"hour": 9, "minute": 43}
